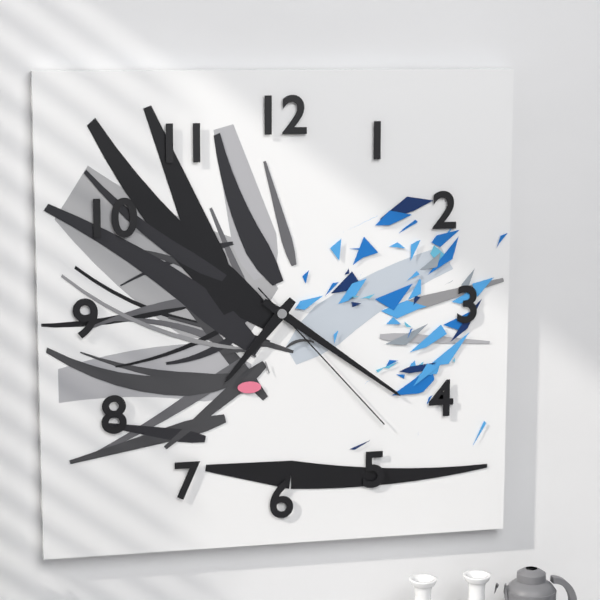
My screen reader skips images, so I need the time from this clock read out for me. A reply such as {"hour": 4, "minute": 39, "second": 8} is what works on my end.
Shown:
{"hour": 7, "minute": 21, "second": 23}
